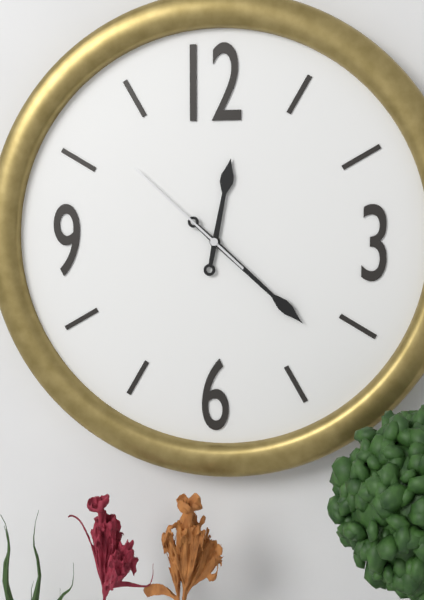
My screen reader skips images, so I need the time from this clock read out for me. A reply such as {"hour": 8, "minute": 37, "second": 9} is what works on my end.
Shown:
{"hour": 12, "minute": 22, "second": 52}
